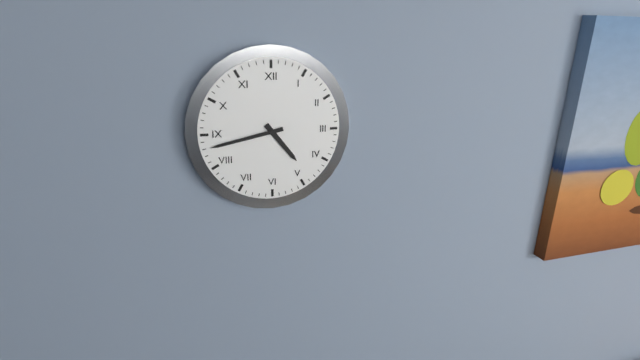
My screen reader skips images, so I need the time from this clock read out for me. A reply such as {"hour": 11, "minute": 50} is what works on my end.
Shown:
{"hour": 4, "minute": 43}
